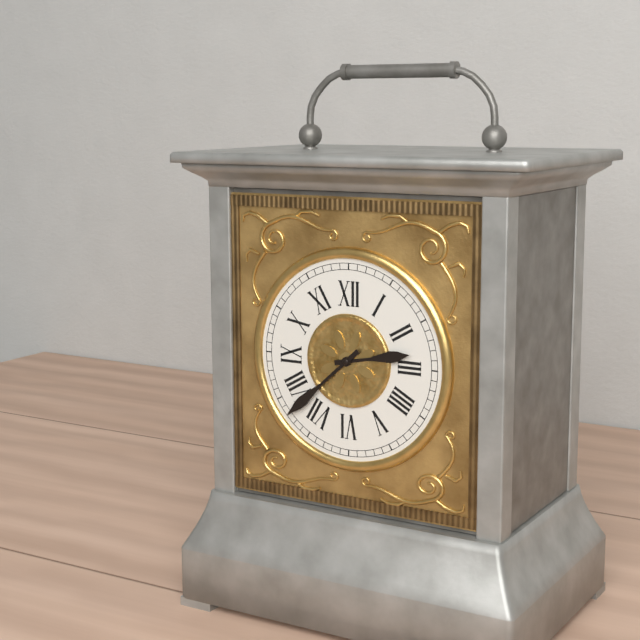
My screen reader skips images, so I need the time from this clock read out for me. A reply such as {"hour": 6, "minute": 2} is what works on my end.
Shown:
{"hour": 2, "minute": 38}
